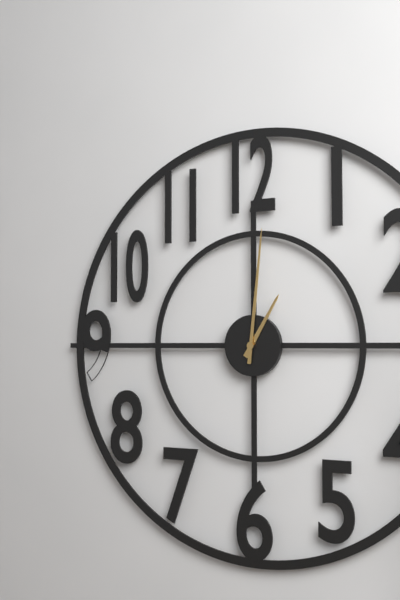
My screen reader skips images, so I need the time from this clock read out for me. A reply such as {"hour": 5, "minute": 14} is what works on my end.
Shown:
{"hour": 1, "minute": 1}
